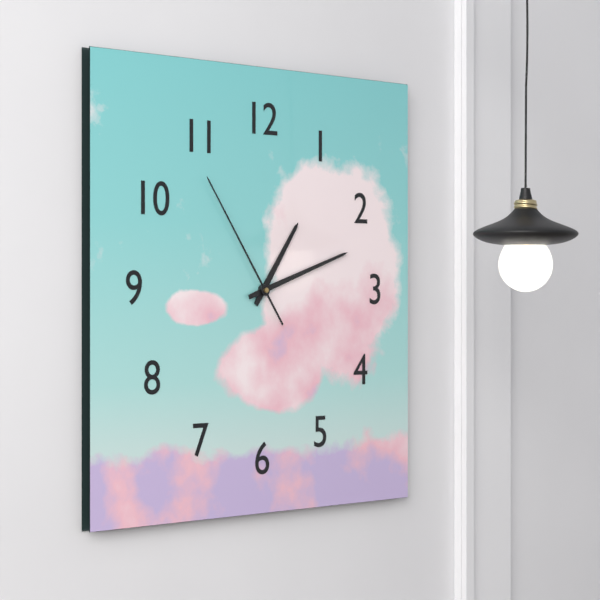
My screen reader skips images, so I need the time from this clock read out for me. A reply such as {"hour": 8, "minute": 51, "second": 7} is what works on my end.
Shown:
{"hour": 1, "minute": 12, "second": 54}
